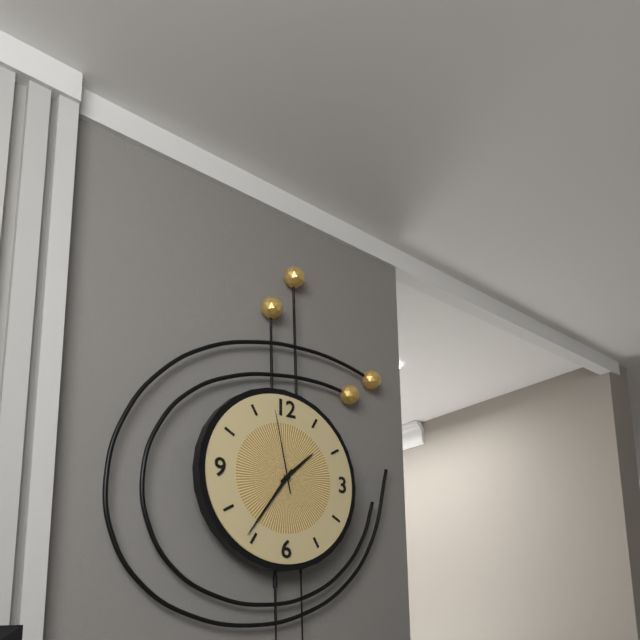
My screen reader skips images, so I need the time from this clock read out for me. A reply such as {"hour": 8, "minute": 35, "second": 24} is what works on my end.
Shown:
{"hour": 1, "minute": 36, "second": 58}
